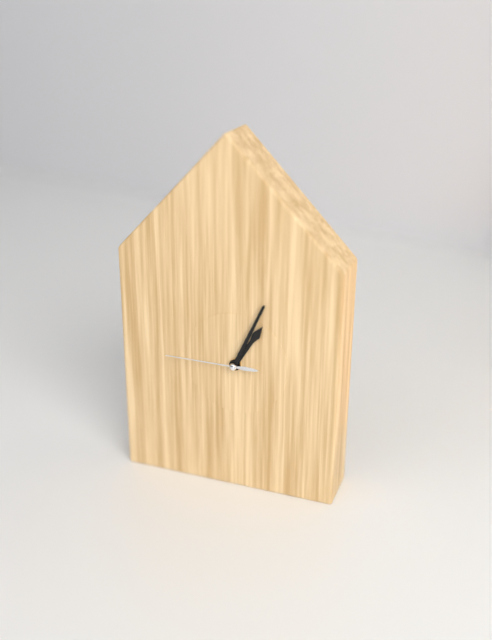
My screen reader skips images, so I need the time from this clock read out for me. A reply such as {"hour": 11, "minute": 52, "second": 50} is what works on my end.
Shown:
{"hour": 1, "minute": 4, "second": 45}
